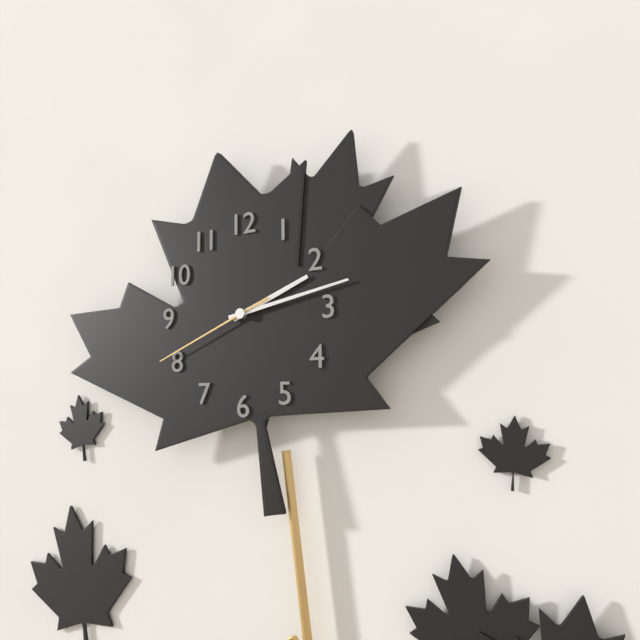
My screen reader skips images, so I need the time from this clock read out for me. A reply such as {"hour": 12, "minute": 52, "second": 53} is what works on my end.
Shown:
{"hour": 2, "minute": 13, "second": 41}
